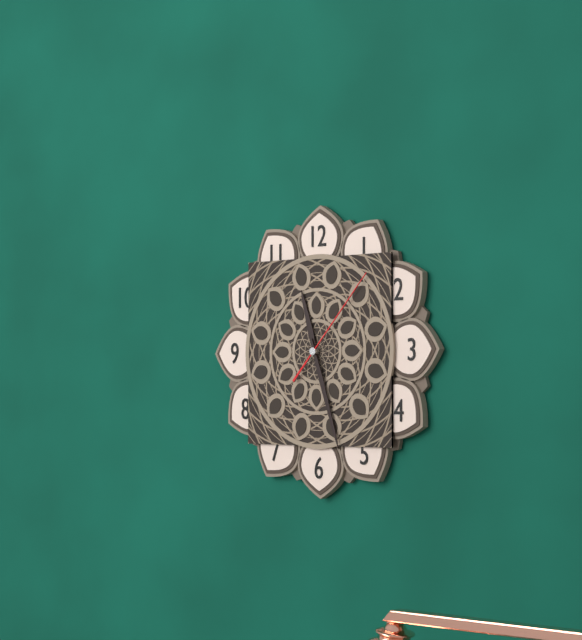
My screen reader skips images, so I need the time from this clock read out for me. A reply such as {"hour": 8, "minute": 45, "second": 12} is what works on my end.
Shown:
{"hour": 11, "minute": 27, "second": 7}
